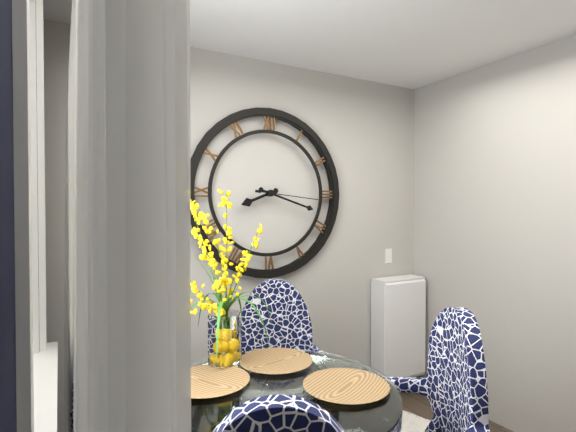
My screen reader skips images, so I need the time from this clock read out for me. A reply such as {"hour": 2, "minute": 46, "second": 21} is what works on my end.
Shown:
{"hour": 8, "minute": 18, "second": 16}
